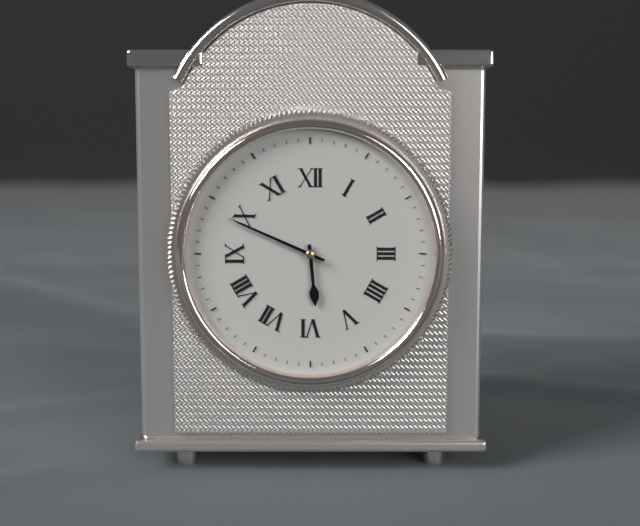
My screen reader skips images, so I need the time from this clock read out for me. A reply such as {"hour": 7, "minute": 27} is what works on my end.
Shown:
{"hour": 5, "minute": 49}
